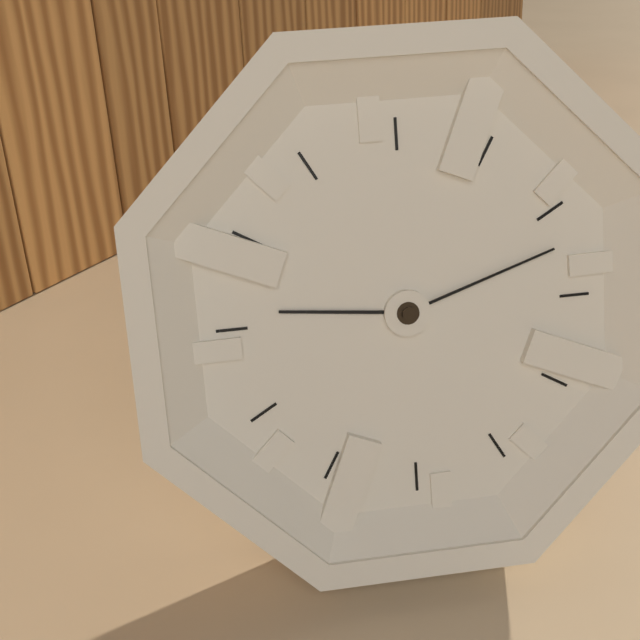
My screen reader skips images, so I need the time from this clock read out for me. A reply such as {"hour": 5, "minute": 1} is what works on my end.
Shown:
{"hour": 9, "minute": 12}
